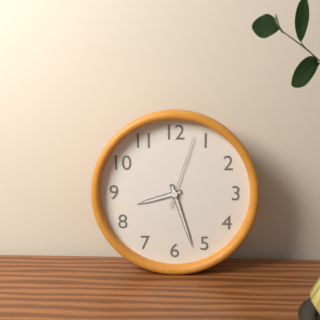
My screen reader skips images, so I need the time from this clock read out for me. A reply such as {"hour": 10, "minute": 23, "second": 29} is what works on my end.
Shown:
{"hour": 8, "minute": 27, "second": 3}
